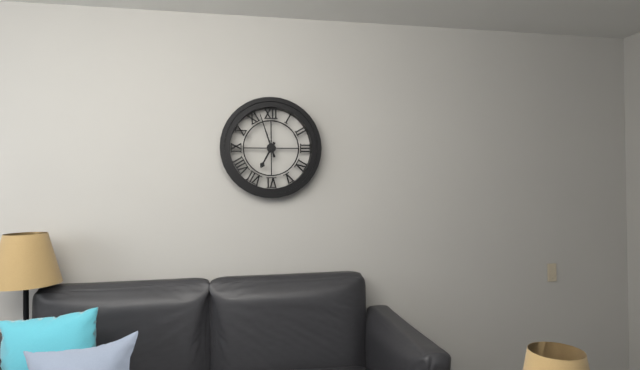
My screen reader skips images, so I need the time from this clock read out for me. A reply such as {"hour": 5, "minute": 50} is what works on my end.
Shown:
{"hour": 6, "minute": 57}
